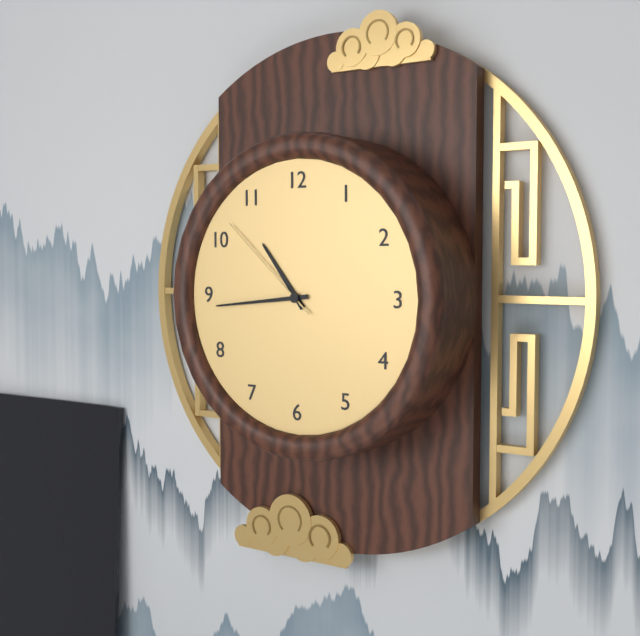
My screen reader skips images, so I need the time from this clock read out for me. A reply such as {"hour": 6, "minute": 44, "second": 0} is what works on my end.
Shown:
{"hour": 10, "minute": 44, "second": 52}
